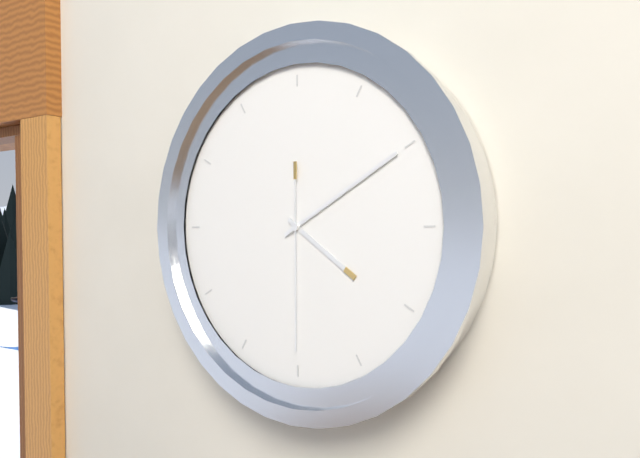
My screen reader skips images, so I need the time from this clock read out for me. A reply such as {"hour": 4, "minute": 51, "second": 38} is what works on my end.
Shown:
{"hour": 4, "minute": 10, "second": 30}
